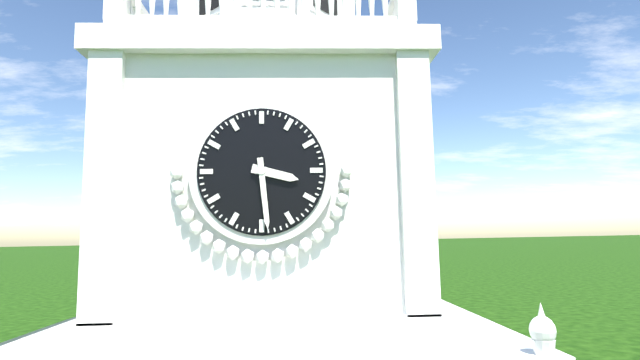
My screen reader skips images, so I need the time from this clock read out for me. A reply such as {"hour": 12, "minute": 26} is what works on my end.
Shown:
{"hour": 3, "minute": 29}
